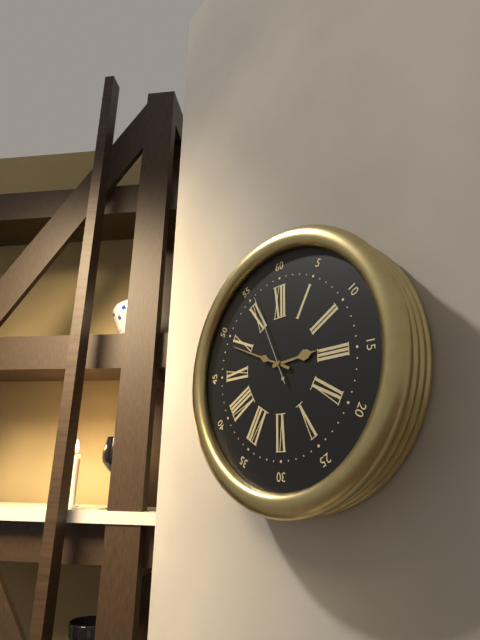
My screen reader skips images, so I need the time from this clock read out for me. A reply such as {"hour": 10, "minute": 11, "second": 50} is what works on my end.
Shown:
{"hour": 2, "minute": 49, "second": 56}
